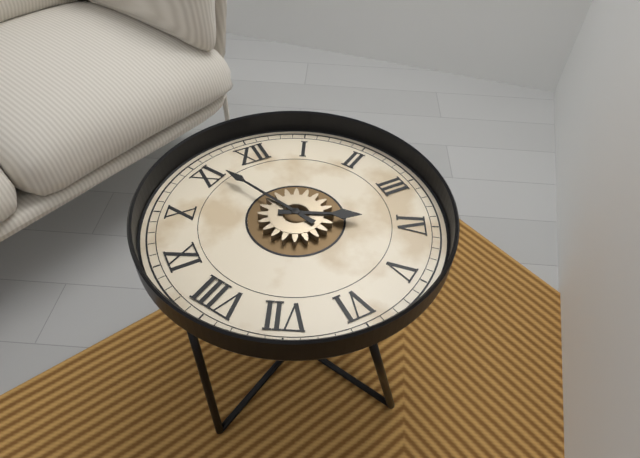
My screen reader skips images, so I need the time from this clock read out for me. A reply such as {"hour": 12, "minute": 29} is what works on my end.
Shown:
{"hour": 3, "minute": 56}
